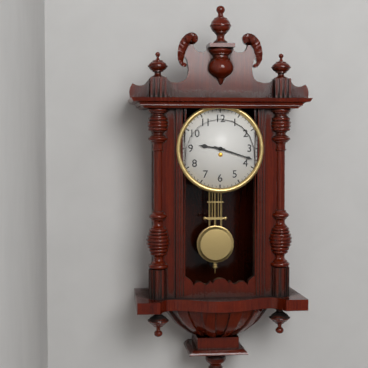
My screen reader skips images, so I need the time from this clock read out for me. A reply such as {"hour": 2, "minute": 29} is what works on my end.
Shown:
{"hour": 9, "minute": 18}
